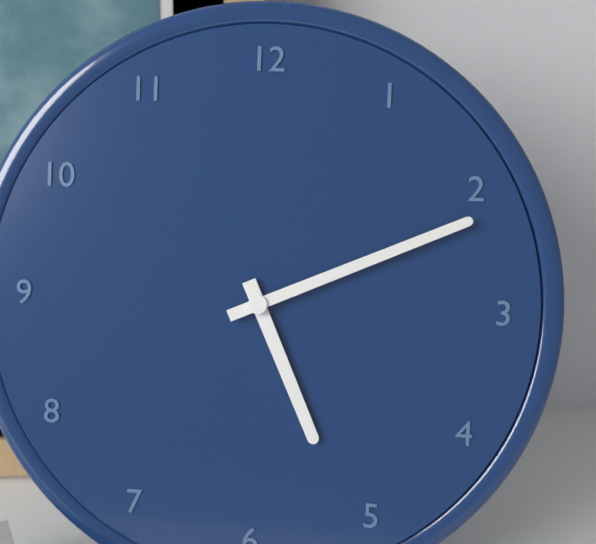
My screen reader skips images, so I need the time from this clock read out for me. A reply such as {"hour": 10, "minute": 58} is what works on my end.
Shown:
{"hour": 5, "minute": 11}
